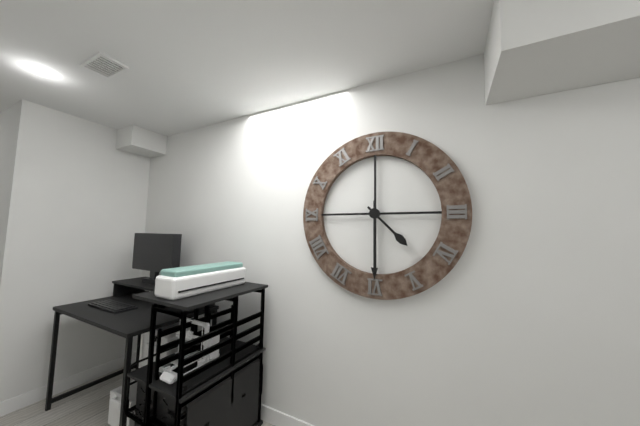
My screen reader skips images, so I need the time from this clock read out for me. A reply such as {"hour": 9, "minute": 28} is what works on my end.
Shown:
{"hour": 4, "minute": 30}
